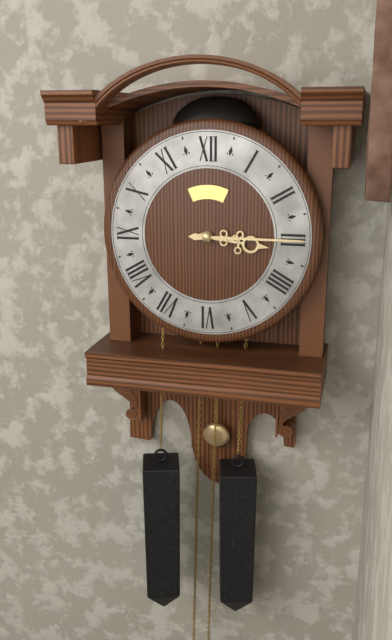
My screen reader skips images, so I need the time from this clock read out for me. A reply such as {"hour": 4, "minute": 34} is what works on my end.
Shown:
{"hour": 3, "minute": 15}
